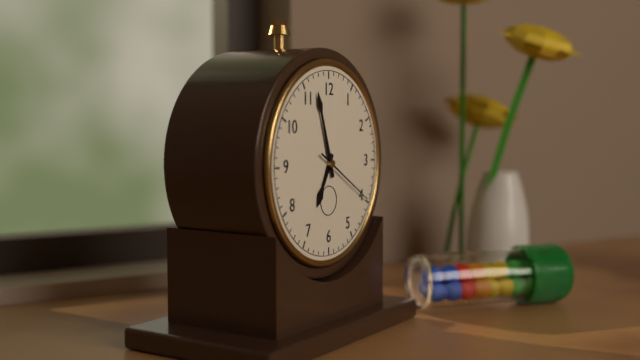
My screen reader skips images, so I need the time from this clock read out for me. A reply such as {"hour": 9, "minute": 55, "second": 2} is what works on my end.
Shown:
{"hour": 6, "minute": 57, "second": 20}
